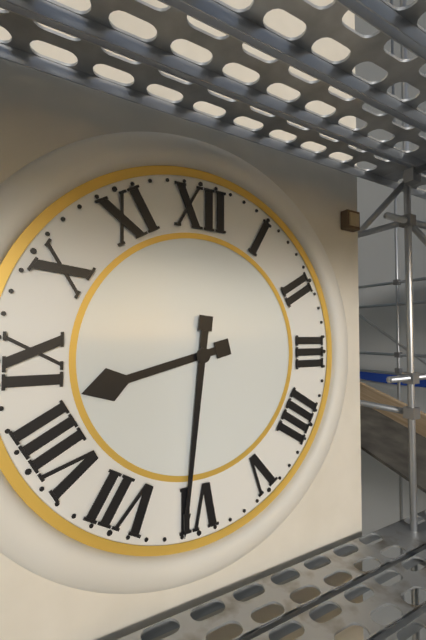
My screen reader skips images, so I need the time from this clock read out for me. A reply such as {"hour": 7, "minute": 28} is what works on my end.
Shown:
{"hour": 8, "minute": 31}
